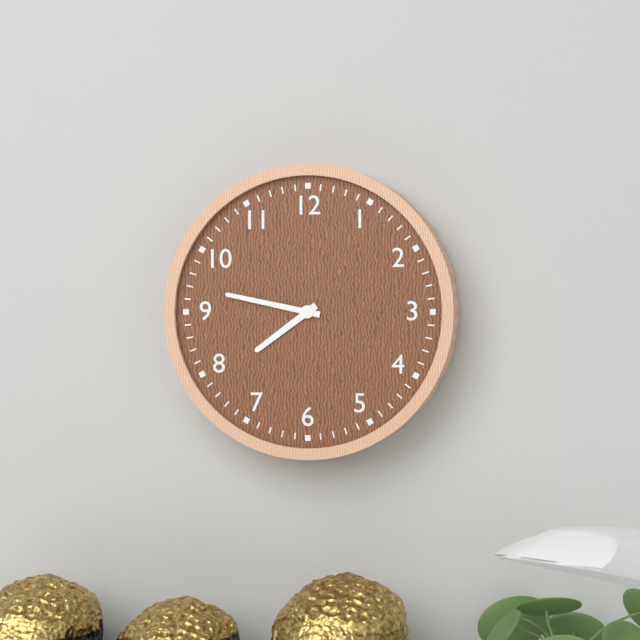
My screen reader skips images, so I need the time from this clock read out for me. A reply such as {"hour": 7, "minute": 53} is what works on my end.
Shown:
{"hour": 7, "minute": 47}
